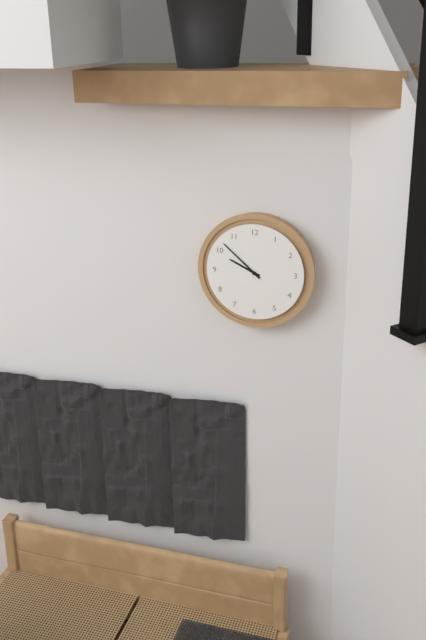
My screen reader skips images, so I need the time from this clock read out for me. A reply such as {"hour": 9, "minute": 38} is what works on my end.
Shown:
{"hour": 9, "minute": 52}
